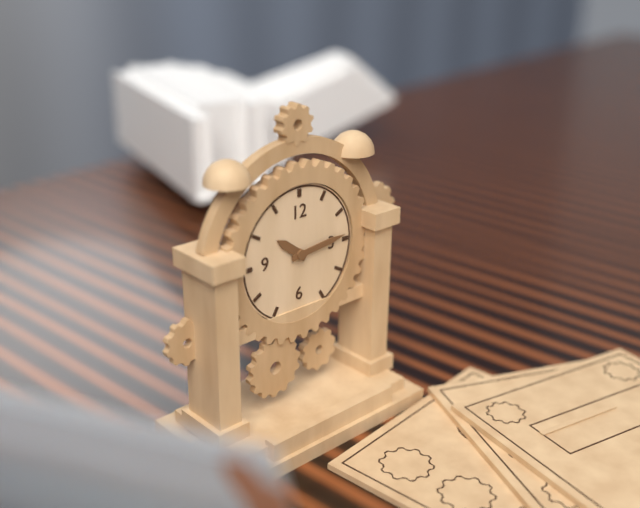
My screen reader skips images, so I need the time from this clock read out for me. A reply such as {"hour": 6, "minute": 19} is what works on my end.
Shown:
{"hour": 10, "minute": 14}
